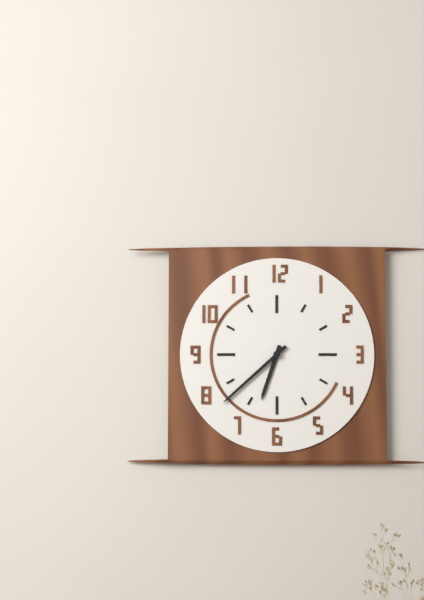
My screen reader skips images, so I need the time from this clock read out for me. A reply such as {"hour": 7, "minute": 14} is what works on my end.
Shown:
{"hour": 6, "minute": 38}
